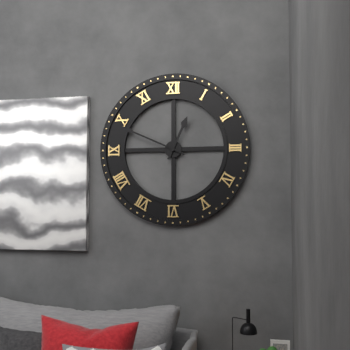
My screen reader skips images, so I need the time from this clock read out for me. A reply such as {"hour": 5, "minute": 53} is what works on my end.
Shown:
{"hour": 12, "minute": 49}
